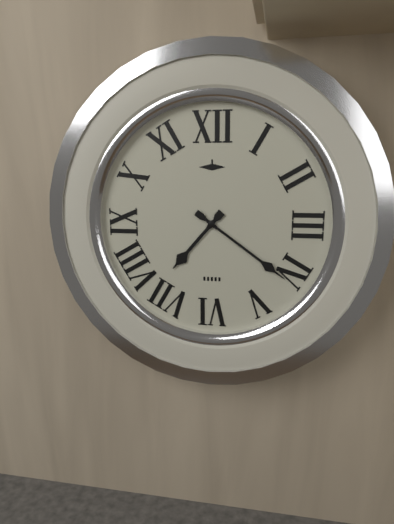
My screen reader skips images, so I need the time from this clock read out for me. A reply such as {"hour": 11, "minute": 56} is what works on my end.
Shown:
{"hour": 7, "minute": 21}
